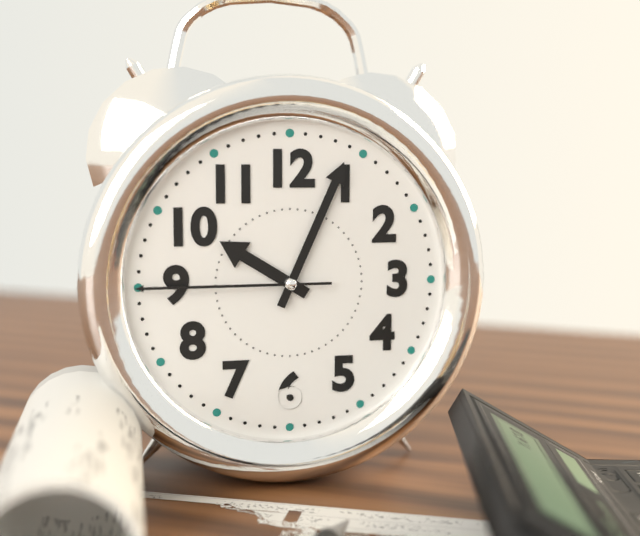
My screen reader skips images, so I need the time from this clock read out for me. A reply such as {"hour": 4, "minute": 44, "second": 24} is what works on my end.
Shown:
{"hour": 10, "minute": 4, "second": 45}
